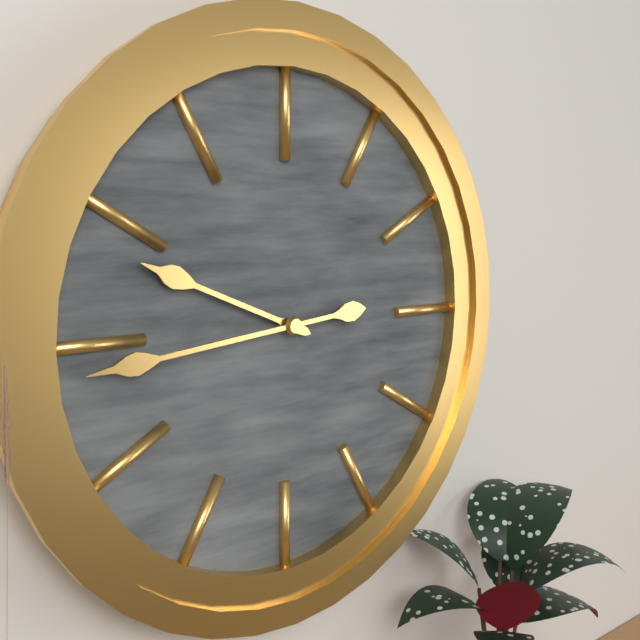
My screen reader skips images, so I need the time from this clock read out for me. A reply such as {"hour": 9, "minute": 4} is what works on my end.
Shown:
{"hour": 9, "minute": 44}
